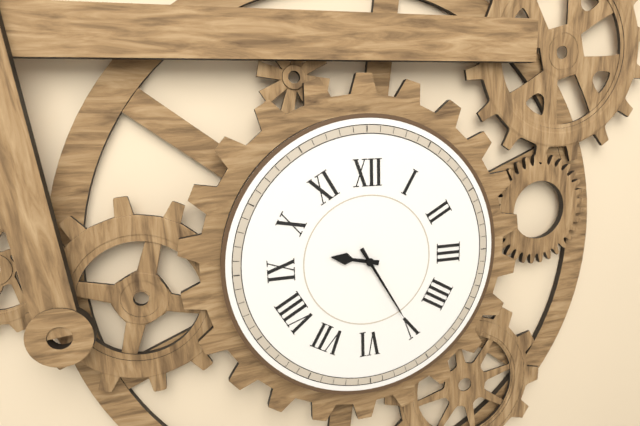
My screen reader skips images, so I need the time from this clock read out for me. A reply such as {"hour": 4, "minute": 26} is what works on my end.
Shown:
{"hour": 9, "minute": 25}
